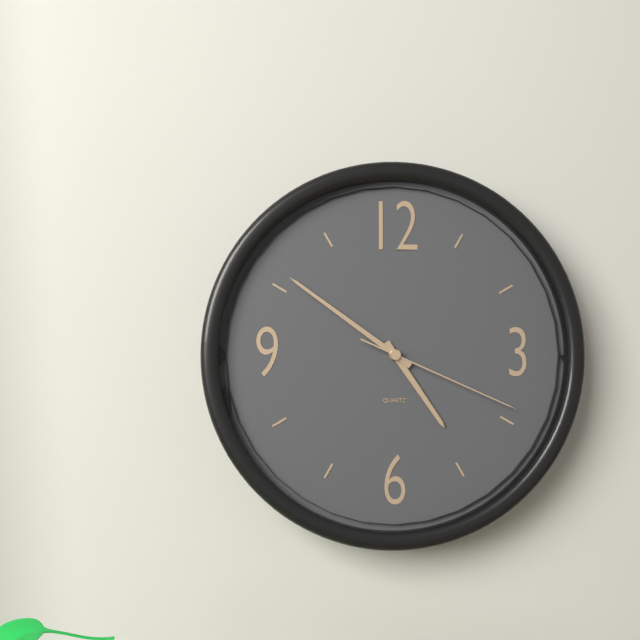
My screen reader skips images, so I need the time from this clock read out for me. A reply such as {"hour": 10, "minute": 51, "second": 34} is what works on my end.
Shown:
{"hour": 4, "minute": 51, "second": 19}
